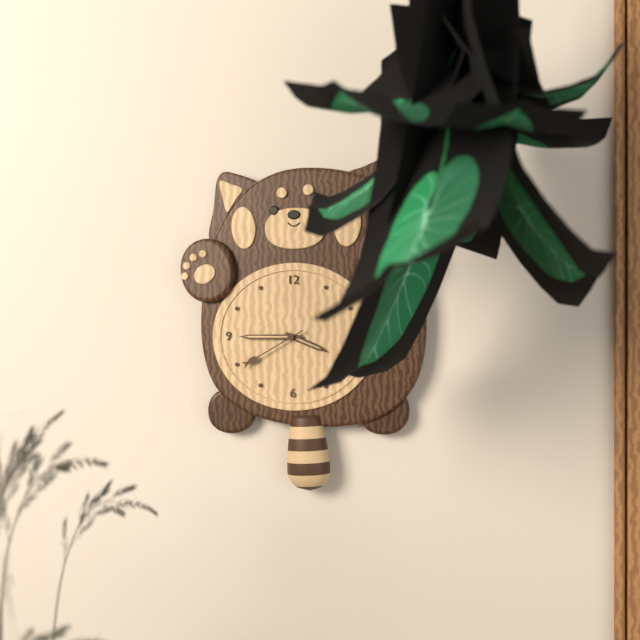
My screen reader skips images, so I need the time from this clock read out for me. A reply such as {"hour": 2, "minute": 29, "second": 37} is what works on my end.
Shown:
{"hour": 3, "minute": 45, "second": 40}
